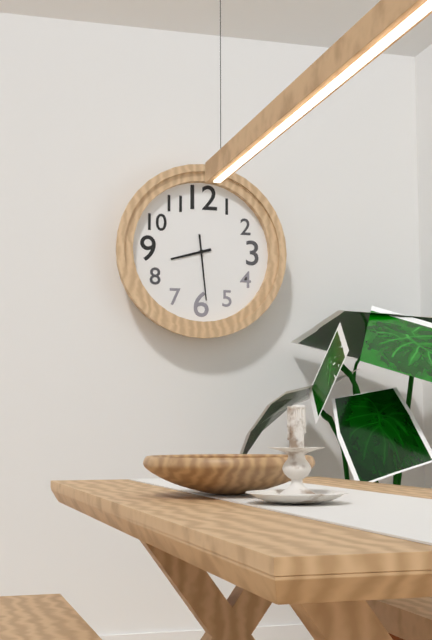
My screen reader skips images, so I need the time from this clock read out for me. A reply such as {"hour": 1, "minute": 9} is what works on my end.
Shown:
{"hour": 8, "minute": 29}
